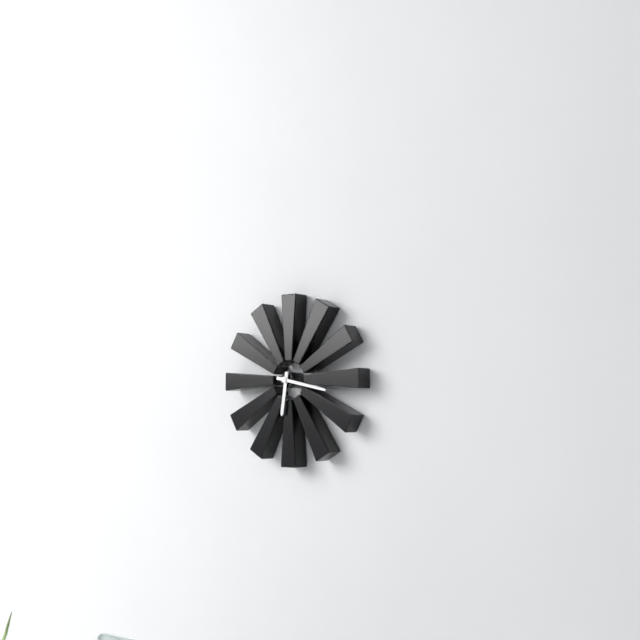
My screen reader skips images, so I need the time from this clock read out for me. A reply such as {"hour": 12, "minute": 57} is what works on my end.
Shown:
{"hour": 6, "minute": 17}
